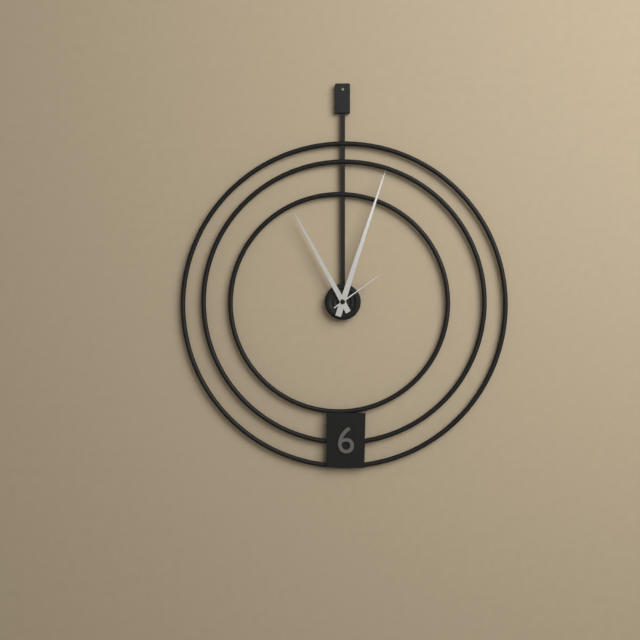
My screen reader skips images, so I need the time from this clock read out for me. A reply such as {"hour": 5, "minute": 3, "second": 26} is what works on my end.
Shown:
{"hour": 11, "minute": 3, "second": 9}
